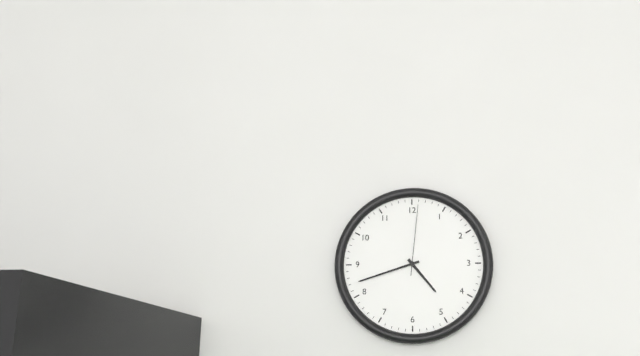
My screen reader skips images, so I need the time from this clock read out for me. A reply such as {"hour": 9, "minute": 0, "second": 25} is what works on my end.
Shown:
{"hour": 4, "minute": 42, "second": 1}
